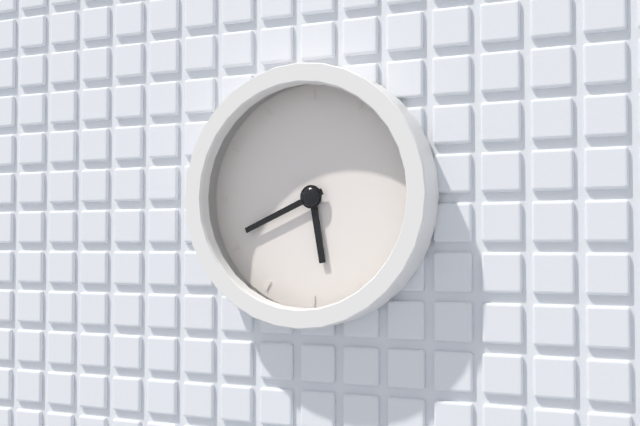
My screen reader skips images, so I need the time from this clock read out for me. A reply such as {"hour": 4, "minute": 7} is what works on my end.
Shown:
{"hour": 5, "minute": 41}
